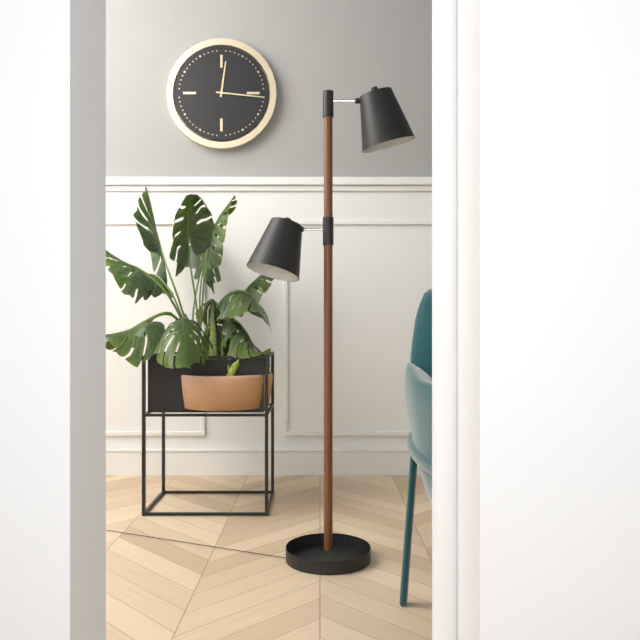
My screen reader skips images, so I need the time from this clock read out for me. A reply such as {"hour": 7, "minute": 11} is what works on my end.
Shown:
{"hour": 12, "minute": 16}
